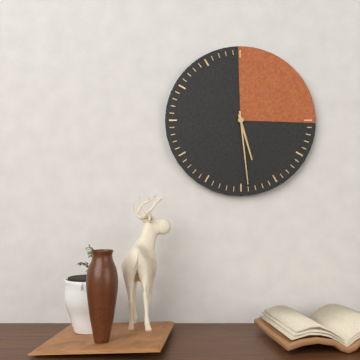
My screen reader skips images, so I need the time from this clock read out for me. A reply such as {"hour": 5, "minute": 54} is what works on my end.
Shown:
{"hour": 5, "minute": 29}
